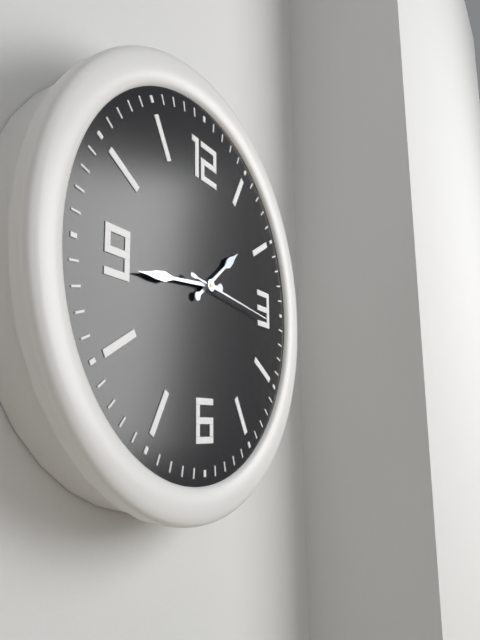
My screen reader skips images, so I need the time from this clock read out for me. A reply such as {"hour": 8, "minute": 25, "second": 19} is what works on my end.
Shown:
{"hour": 1, "minute": 44, "second": 16}
